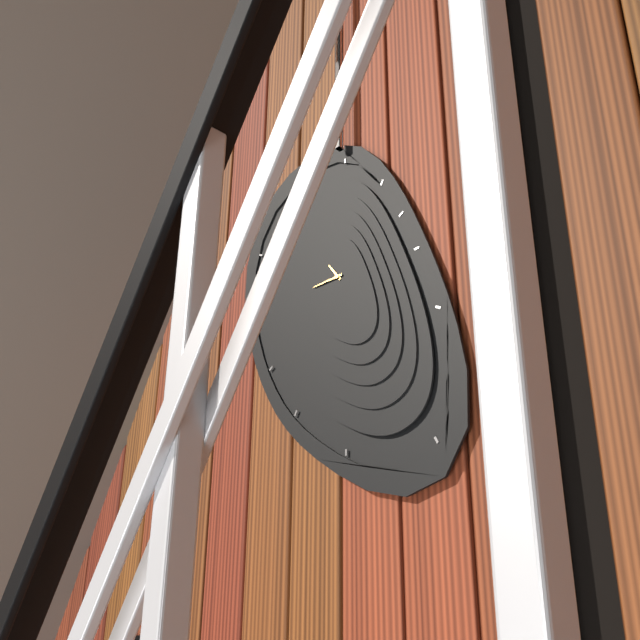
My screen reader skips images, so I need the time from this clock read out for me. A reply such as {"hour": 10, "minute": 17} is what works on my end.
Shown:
{"hour": 10, "minute": 45}
